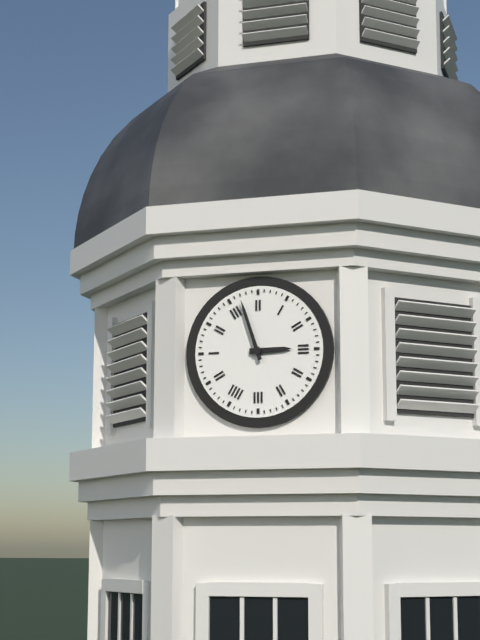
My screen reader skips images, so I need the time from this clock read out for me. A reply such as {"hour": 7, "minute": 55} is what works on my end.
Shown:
{"hour": 2, "minute": 57}
